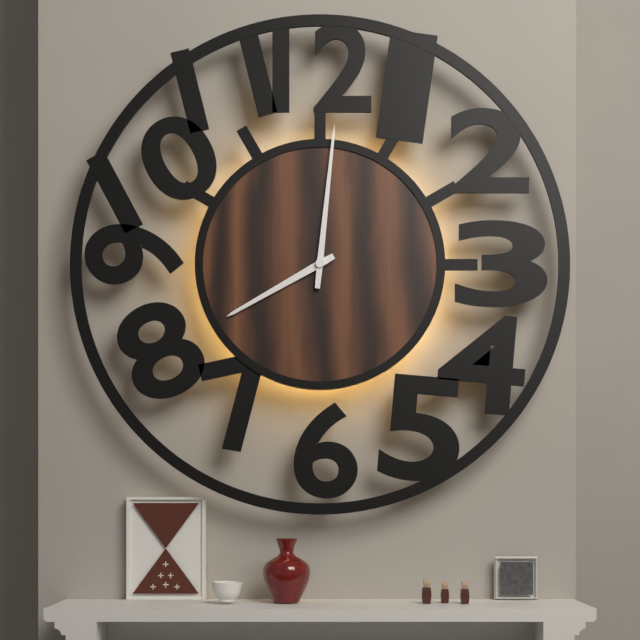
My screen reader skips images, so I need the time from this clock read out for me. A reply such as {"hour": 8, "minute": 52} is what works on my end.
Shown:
{"hour": 8, "minute": 1}
